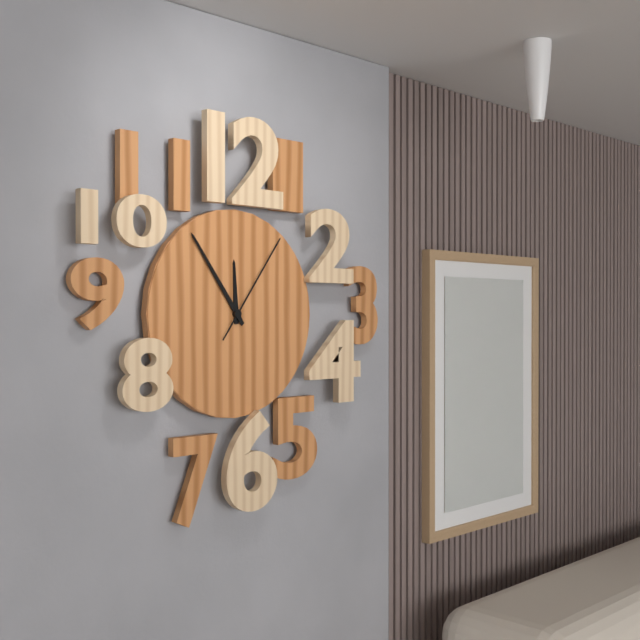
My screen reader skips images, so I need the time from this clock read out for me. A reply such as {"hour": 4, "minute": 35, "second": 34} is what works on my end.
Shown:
{"hour": 11, "minute": 54, "second": 6}
